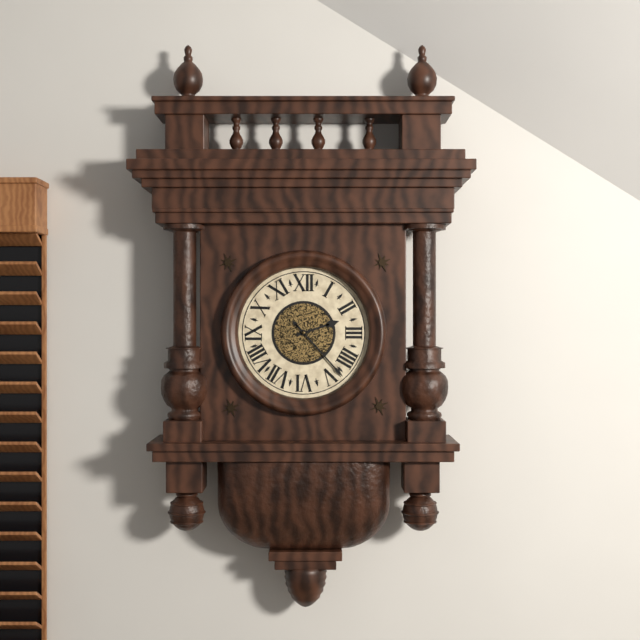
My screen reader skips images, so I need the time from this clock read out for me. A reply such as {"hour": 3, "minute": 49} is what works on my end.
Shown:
{"hour": 2, "minute": 23}
